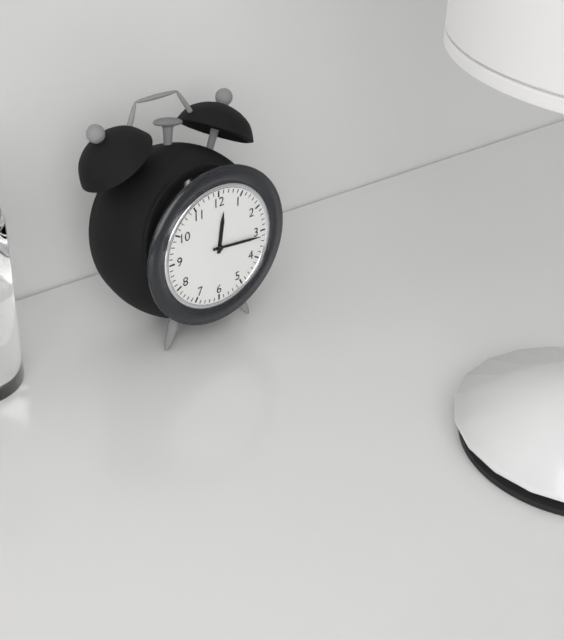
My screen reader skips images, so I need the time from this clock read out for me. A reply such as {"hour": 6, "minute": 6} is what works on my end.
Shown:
{"hour": 12, "minute": 16}
